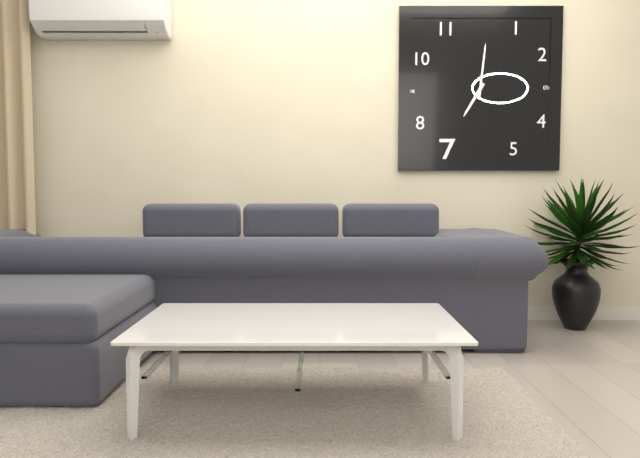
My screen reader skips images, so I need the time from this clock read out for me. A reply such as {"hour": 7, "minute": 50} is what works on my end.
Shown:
{"hour": 7, "minute": 1}
